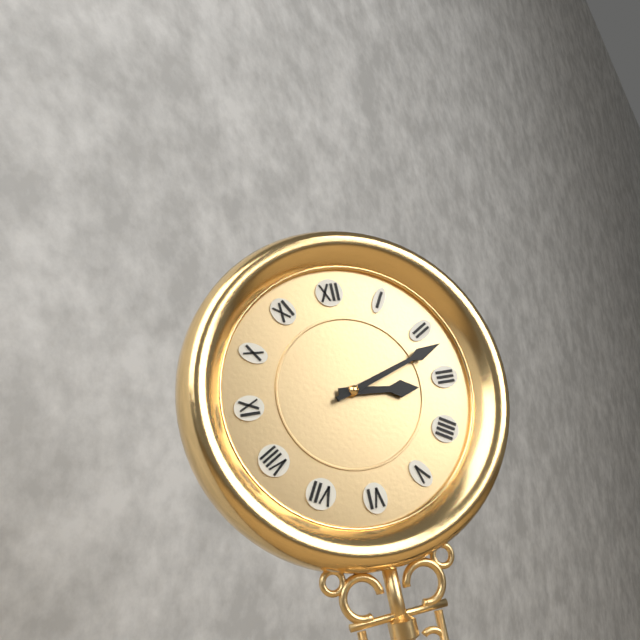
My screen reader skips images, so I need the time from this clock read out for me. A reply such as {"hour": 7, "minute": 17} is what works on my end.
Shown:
{"hour": 3, "minute": 12}
